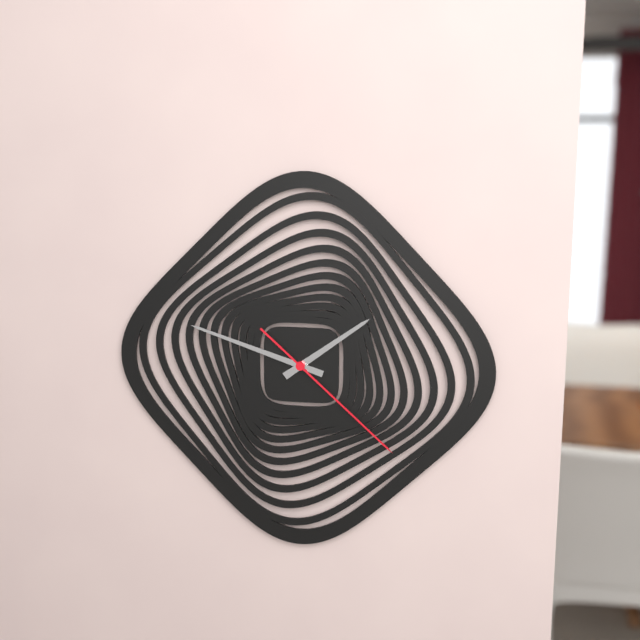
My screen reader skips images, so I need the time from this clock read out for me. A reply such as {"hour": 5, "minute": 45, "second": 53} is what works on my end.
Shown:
{"hour": 1, "minute": 48, "second": 22}
